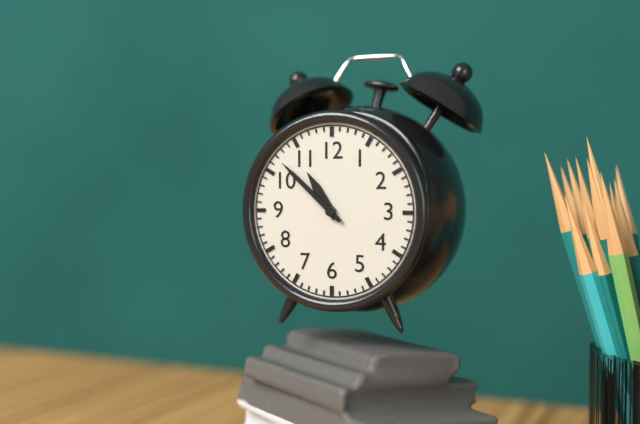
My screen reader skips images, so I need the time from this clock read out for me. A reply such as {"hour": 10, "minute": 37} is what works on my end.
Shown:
{"hour": 10, "minute": 52}
